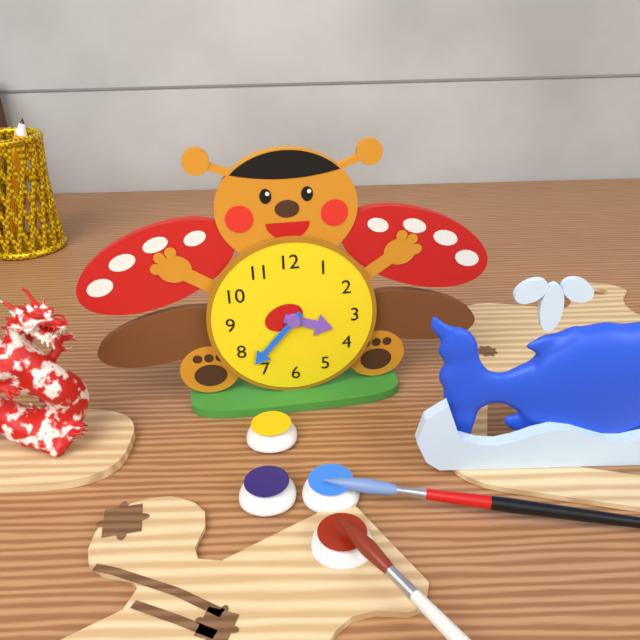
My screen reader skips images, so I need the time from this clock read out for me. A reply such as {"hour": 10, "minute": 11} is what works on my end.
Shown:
{"hour": 3, "minute": 37}
